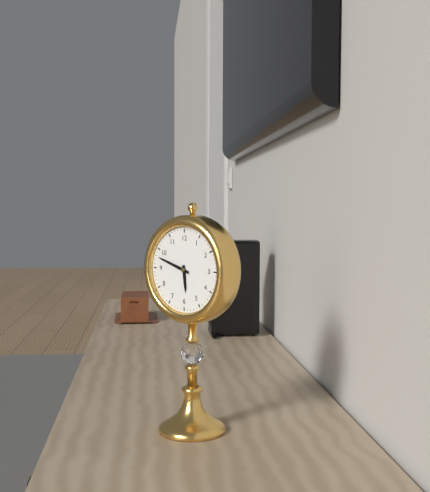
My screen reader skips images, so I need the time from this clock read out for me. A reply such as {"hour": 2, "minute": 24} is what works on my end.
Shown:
{"hour": 5, "minute": 48}
